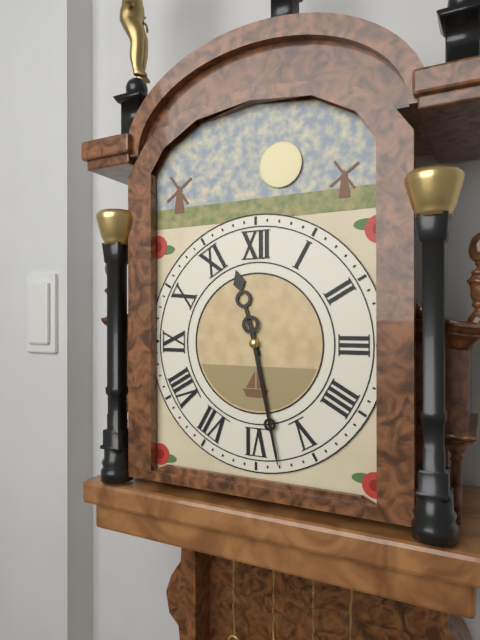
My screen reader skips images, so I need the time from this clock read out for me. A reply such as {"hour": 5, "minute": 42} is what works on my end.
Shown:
{"hour": 11, "minute": 28}
